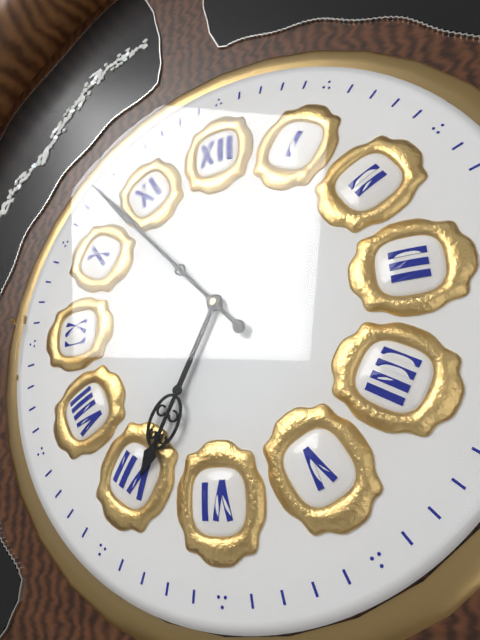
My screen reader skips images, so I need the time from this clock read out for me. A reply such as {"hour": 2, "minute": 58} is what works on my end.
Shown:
{"hour": 6, "minute": 53}
